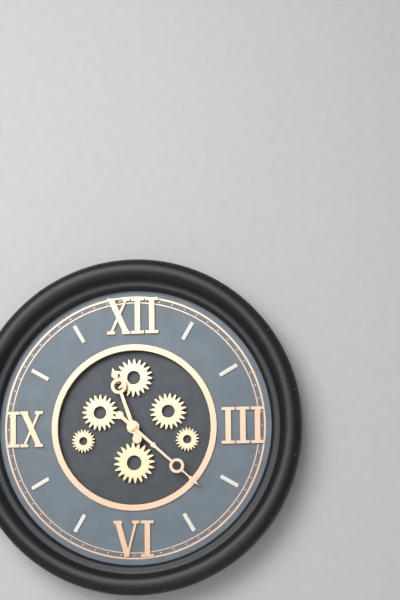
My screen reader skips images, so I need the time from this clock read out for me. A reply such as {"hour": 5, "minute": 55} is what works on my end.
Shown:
{"hour": 11, "minute": 22}
